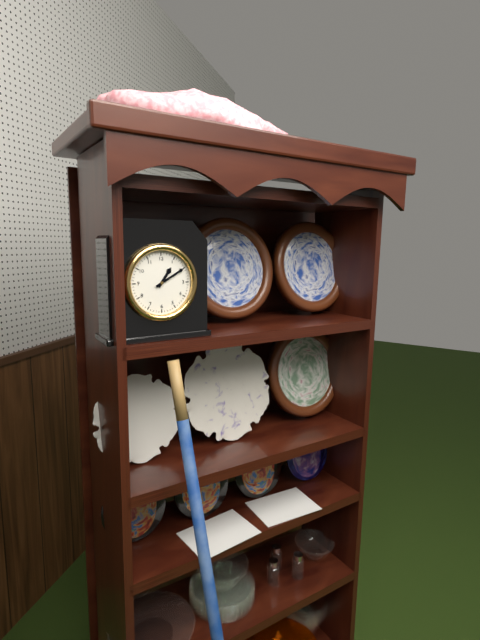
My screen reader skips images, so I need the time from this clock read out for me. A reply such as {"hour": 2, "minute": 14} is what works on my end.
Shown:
{"hour": 1, "minute": 10}
